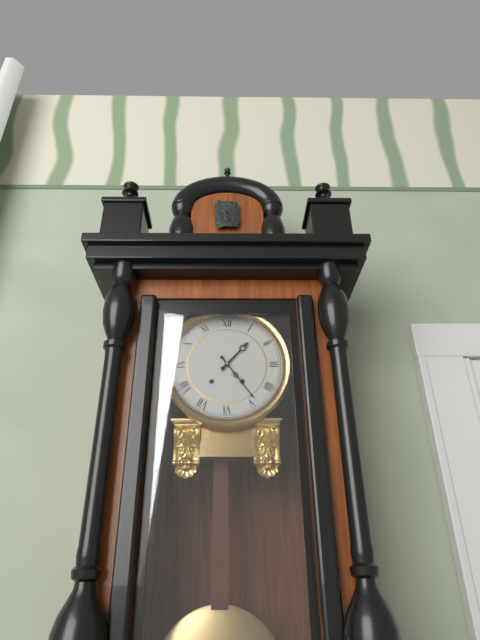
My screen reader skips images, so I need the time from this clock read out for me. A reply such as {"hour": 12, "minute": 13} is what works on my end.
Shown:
{"hour": 1, "minute": 24}
